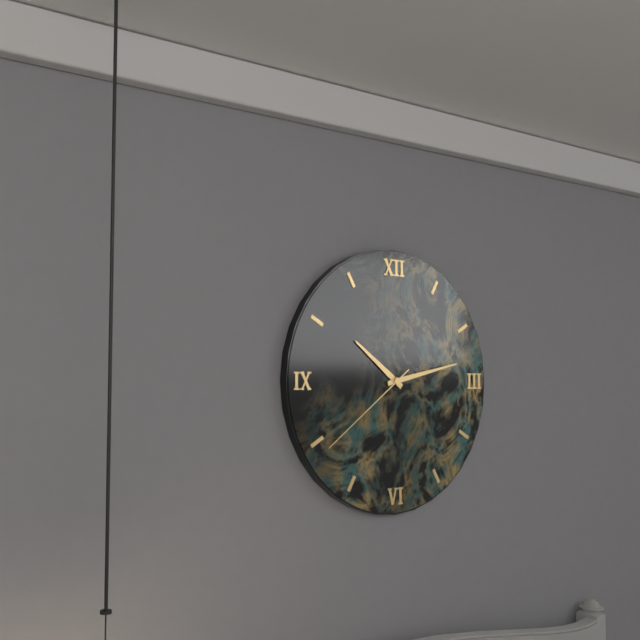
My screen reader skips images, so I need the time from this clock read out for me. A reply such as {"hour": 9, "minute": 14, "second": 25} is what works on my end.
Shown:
{"hour": 10, "minute": 13, "second": 39}
